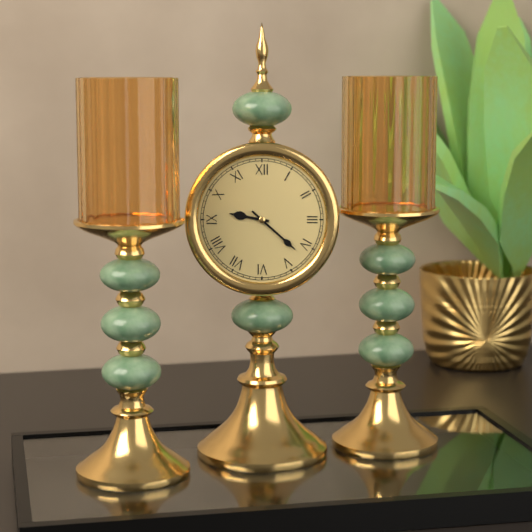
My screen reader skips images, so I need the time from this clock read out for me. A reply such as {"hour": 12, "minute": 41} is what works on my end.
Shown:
{"hour": 9, "minute": 22}
